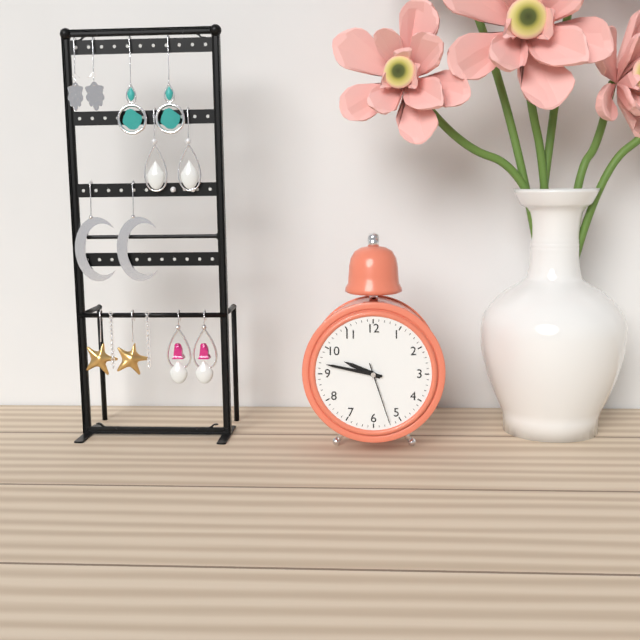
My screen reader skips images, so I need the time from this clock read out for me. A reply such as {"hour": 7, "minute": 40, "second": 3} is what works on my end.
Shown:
{"hour": 9, "minute": 47, "second": 27}
